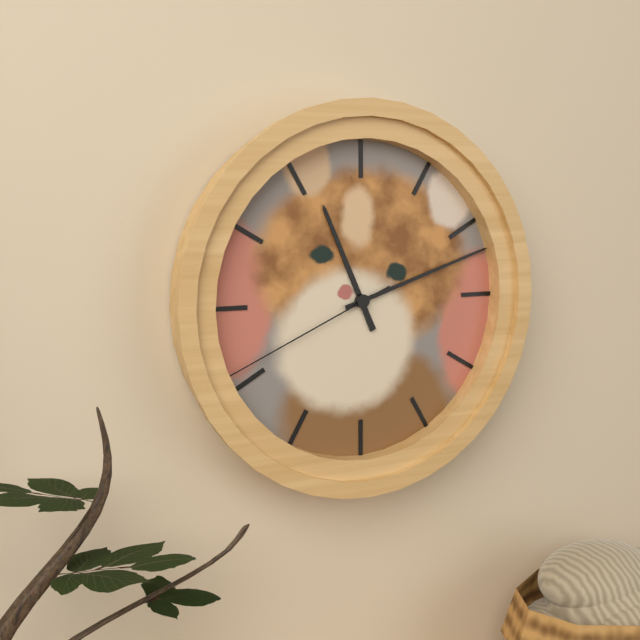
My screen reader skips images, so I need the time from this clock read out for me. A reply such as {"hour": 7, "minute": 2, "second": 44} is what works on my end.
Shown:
{"hour": 11, "minute": 12, "second": 41}
